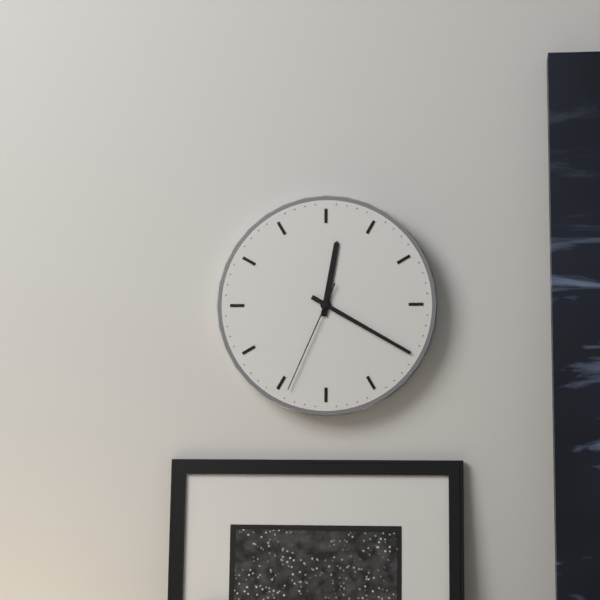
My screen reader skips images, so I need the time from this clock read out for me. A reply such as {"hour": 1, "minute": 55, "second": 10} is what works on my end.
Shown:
{"hour": 12, "minute": 20, "second": 34}
